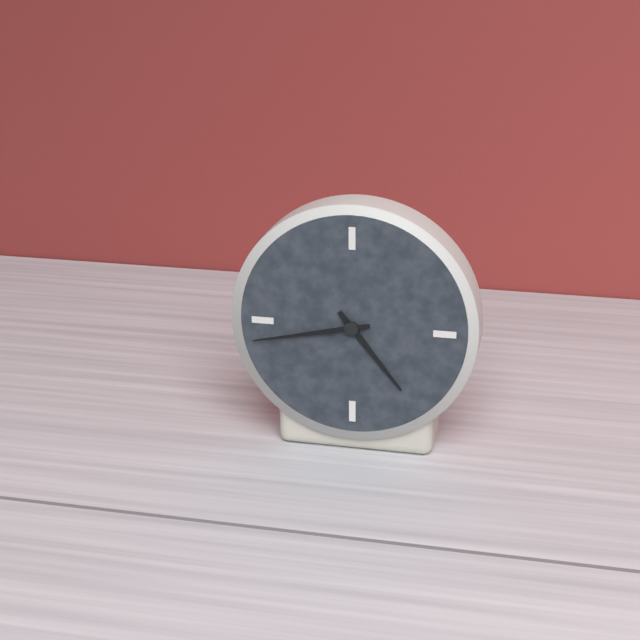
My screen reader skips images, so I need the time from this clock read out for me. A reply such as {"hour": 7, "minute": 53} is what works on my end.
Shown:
{"hour": 4, "minute": 43}
